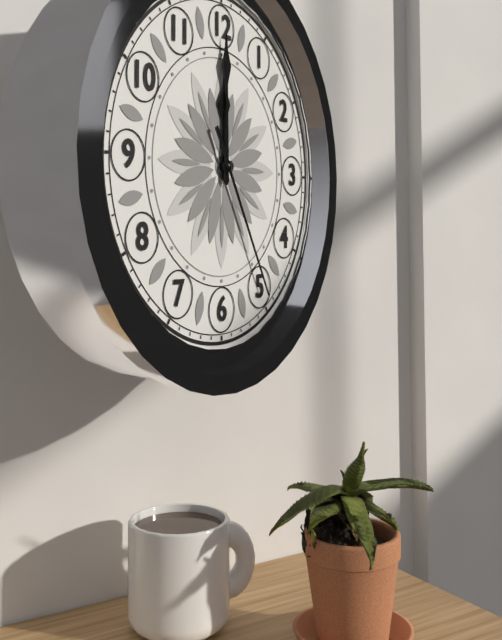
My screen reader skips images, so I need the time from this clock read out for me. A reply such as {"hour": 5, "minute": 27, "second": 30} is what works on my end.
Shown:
{"hour": 12, "minute": 0, "second": 25}
